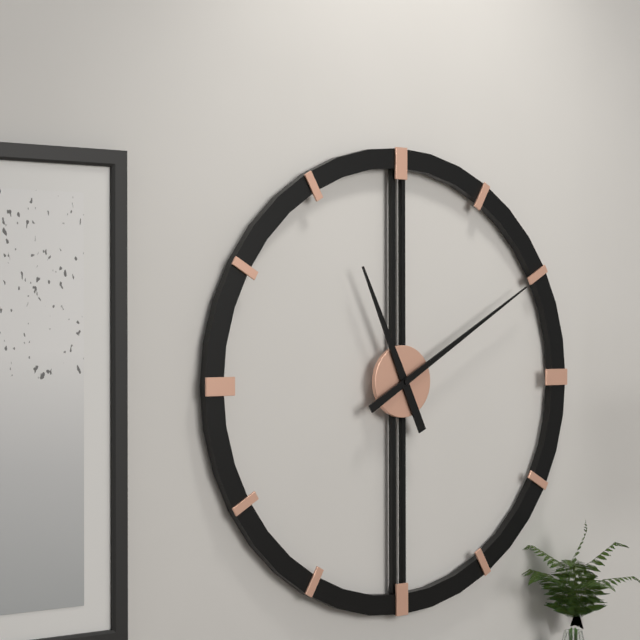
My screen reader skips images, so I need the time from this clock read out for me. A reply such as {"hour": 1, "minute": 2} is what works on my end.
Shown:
{"hour": 11, "minute": 10}
